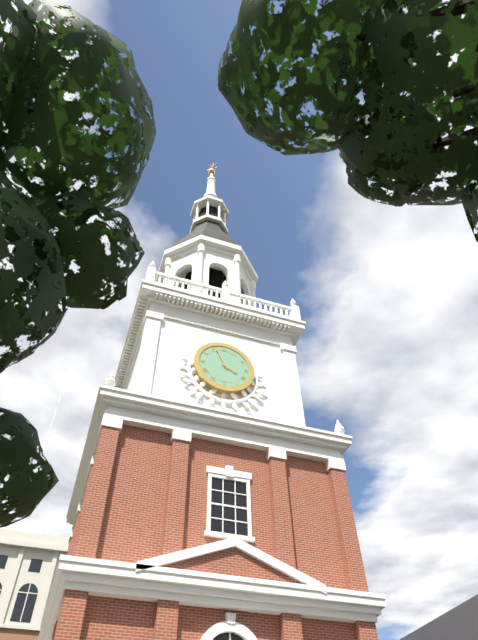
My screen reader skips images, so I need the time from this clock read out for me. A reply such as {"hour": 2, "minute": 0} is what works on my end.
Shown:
{"hour": 3, "minute": 56}
